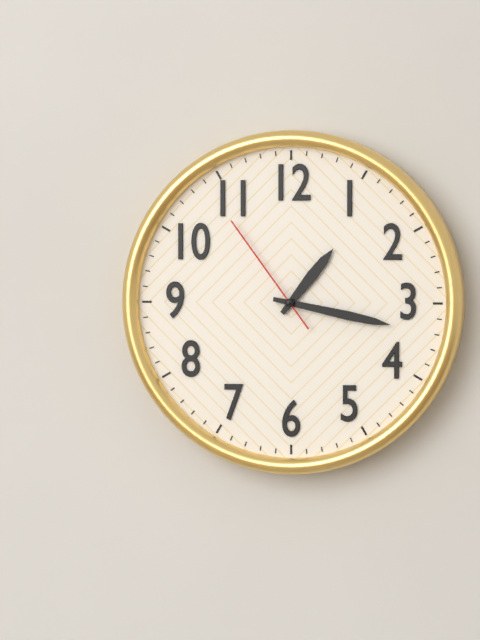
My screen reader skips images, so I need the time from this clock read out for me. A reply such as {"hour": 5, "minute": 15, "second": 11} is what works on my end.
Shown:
{"hour": 1, "minute": 17, "second": 54}
